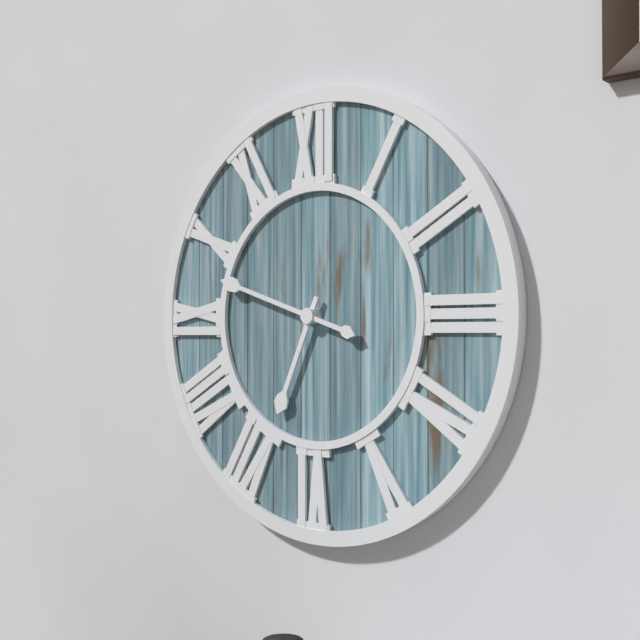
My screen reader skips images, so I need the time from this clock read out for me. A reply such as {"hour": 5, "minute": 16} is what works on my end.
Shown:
{"hour": 6, "minute": 48}
